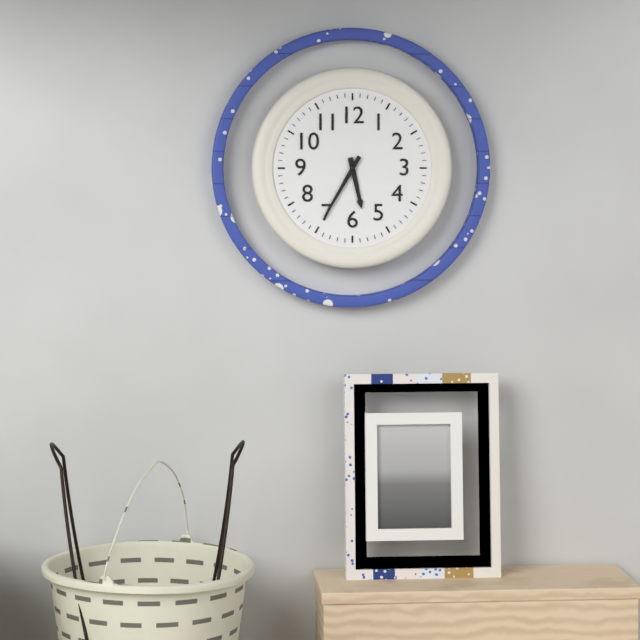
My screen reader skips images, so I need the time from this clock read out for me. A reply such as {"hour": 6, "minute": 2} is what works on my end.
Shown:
{"hour": 5, "minute": 35}
